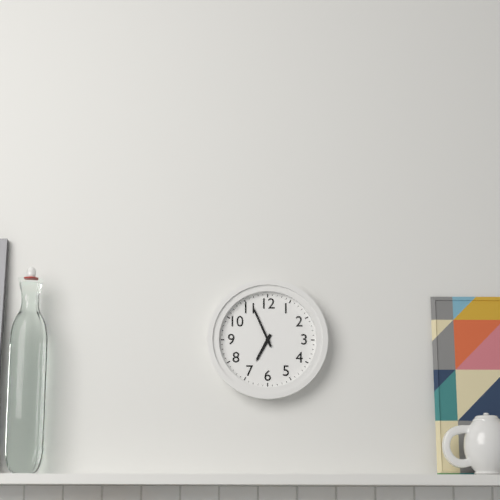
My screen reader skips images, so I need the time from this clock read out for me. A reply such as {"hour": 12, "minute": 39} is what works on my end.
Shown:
{"hour": 6, "minute": 56}
